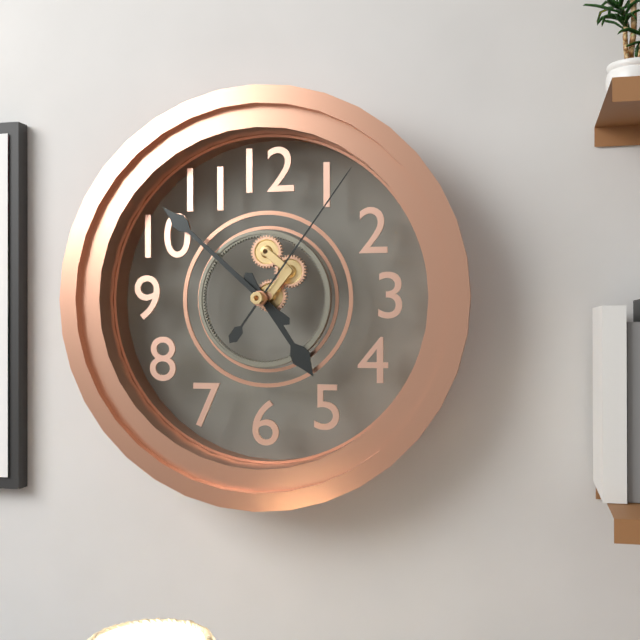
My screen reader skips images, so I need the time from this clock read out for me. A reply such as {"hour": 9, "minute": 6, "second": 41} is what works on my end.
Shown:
{"hour": 4, "minute": 52, "second": 6}
